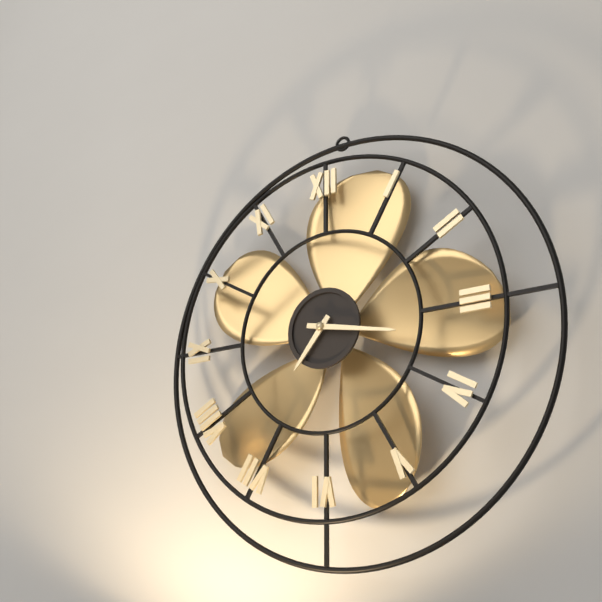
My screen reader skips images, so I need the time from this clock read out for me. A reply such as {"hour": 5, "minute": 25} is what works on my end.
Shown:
{"hour": 7, "minute": 17}
